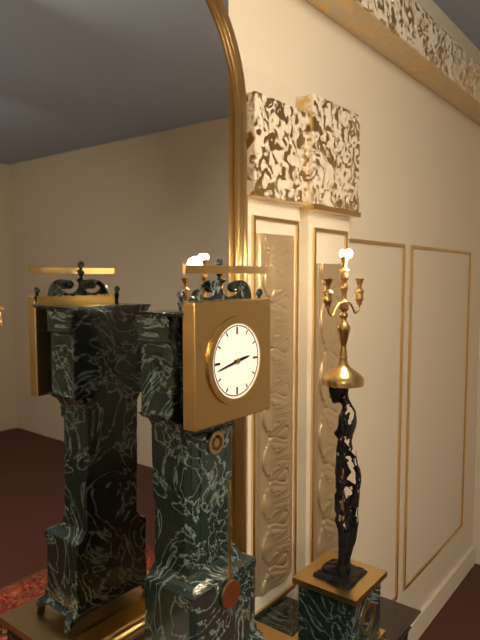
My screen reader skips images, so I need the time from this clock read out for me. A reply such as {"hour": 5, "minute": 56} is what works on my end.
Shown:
{"hour": 2, "minute": 43}
